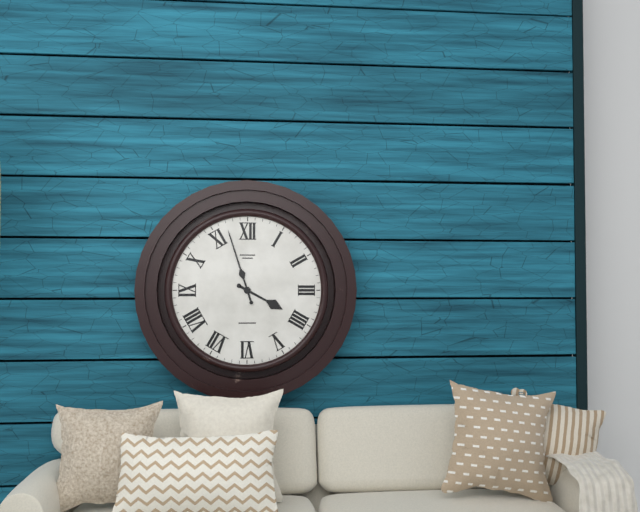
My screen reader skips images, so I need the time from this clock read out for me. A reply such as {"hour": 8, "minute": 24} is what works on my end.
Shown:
{"hour": 3, "minute": 57}
